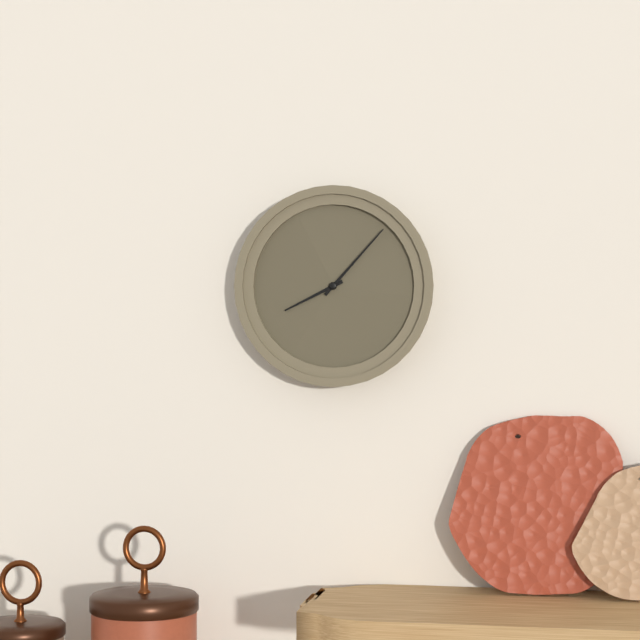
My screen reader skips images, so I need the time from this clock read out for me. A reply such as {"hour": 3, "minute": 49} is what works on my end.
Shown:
{"hour": 8, "minute": 7}
